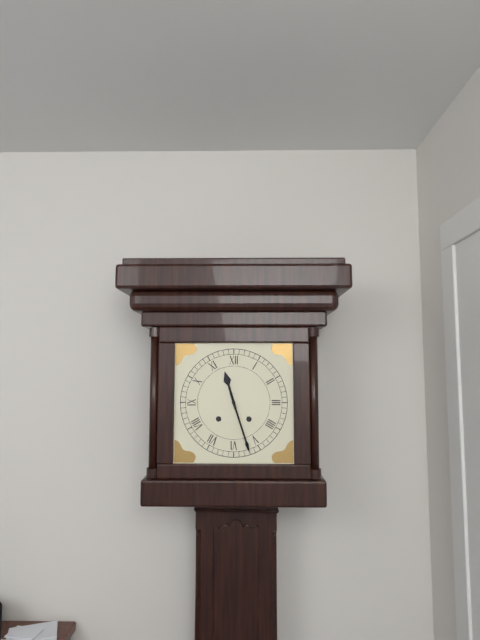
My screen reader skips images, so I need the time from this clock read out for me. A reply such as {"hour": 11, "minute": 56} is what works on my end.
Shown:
{"hour": 11, "minute": 27}
